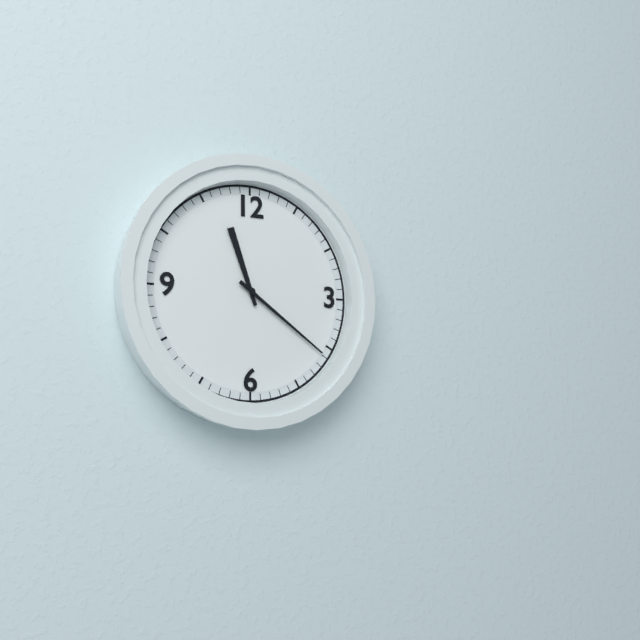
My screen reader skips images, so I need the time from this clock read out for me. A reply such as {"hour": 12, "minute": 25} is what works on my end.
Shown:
{"hour": 11, "minute": 21}
